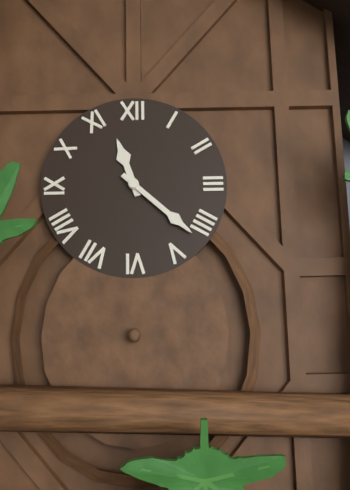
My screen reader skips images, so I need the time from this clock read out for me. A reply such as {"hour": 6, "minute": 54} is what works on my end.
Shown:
{"hour": 11, "minute": 22}
